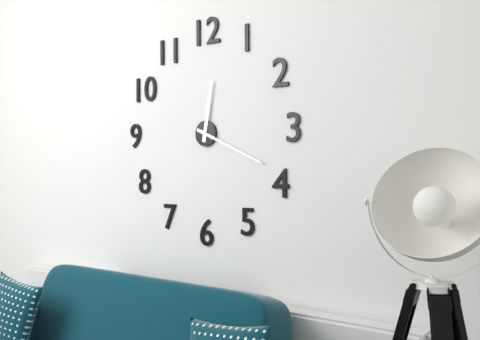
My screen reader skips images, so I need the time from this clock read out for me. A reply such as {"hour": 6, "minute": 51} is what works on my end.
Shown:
{"hour": 12, "minute": 19}
